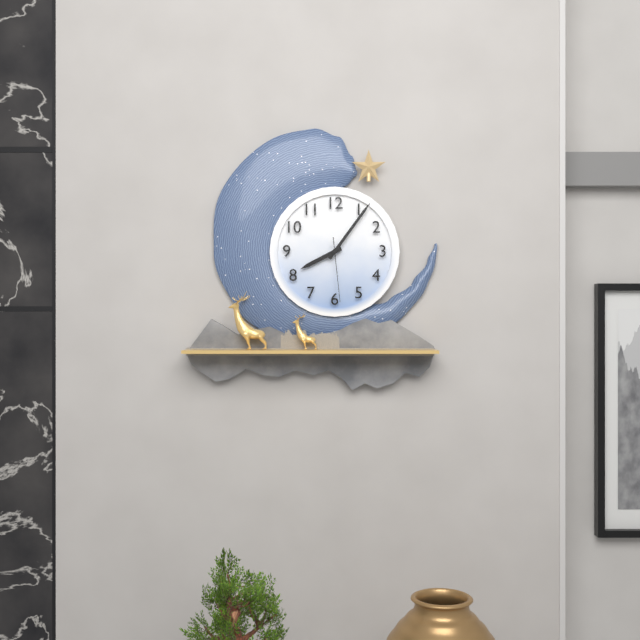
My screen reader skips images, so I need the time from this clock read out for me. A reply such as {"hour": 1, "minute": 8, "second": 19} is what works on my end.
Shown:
{"hour": 8, "minute": 6, "second": 29}
